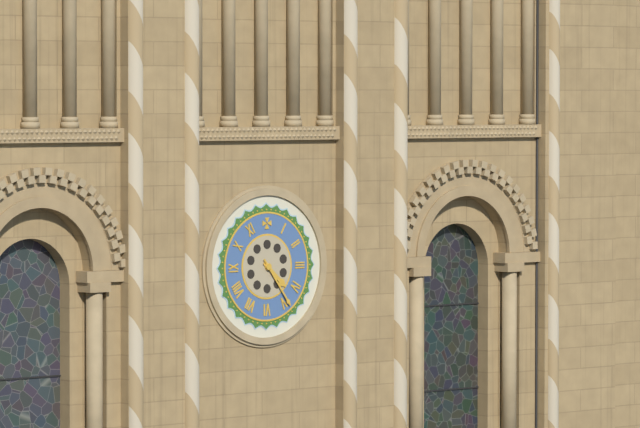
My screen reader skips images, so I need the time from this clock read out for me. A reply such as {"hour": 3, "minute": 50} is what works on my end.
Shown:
{"hour": 4, "minute": 24}
